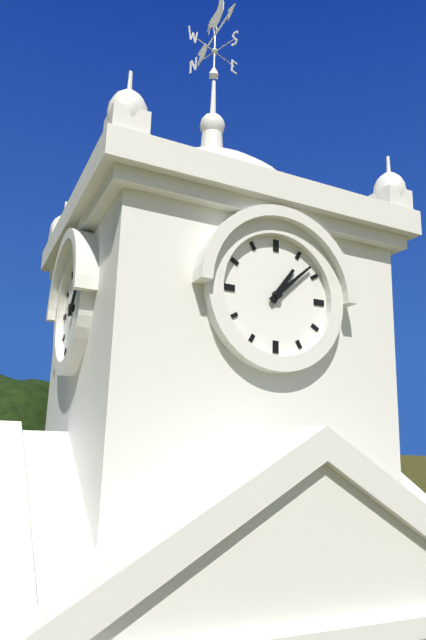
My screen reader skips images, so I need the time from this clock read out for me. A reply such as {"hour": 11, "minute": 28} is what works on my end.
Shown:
{"hour": 1, "minute": 8}
